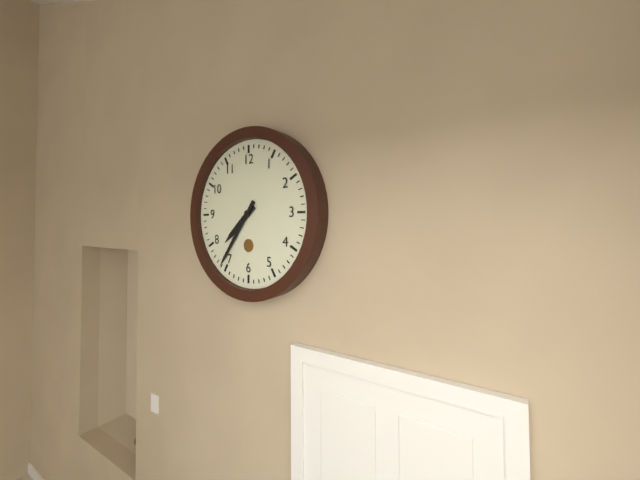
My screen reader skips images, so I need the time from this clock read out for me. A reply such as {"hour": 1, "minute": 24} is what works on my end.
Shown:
{"hour": 7, "minute": 36}
